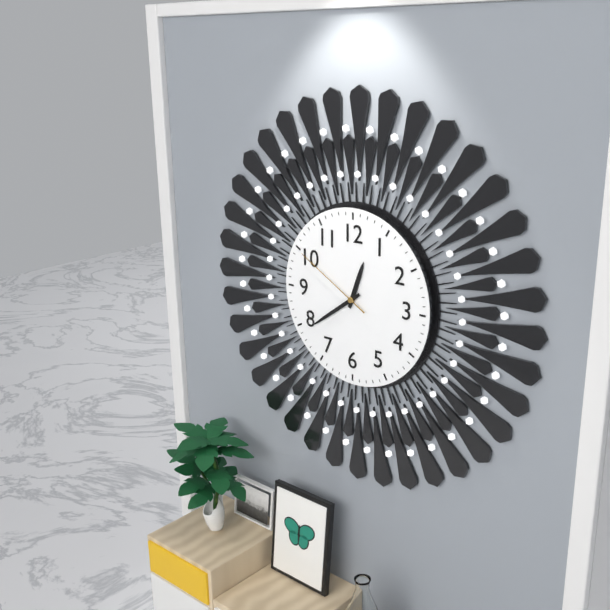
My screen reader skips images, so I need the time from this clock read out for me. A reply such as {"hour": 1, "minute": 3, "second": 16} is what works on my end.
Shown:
{"hour": 12, "minute": 39, "second": 50}
